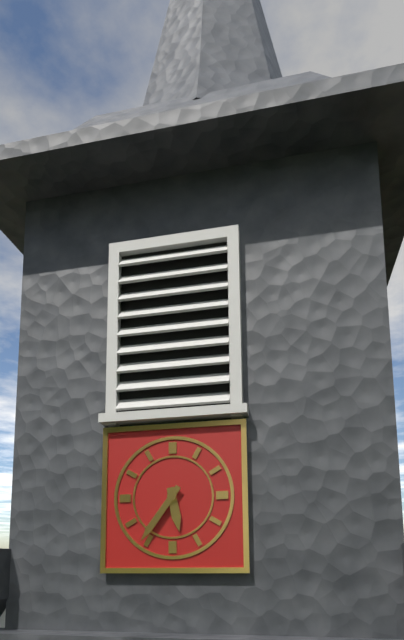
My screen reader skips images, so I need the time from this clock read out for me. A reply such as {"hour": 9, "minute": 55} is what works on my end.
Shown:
{"hour": 5, "minute": 36}
